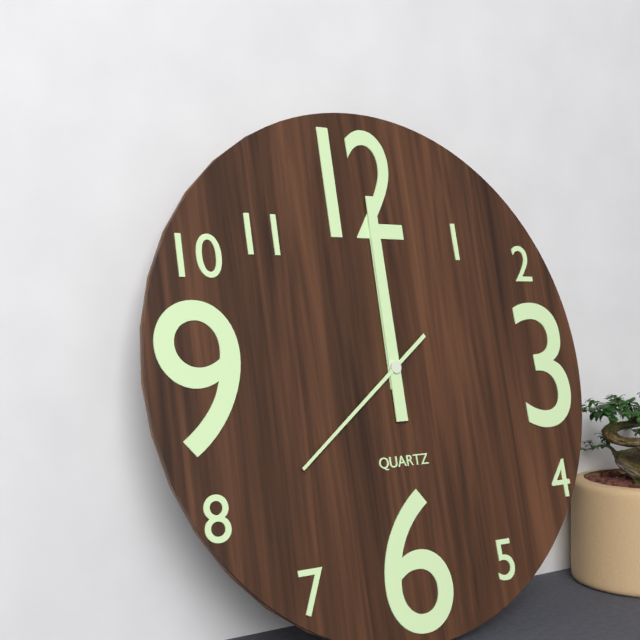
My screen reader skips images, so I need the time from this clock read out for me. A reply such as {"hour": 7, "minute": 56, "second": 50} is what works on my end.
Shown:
{"hour": 12, "minute": 0, "second": 39}
